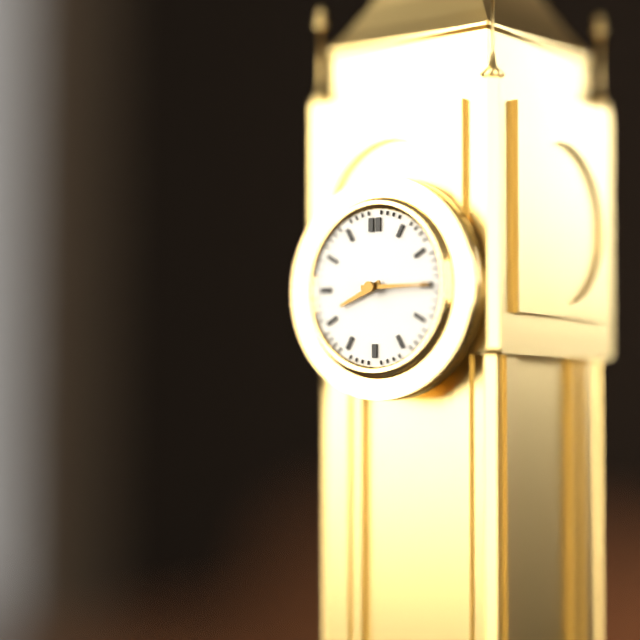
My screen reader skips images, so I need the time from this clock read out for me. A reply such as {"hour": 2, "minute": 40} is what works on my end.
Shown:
{"hour": 8, "minute": 15}
